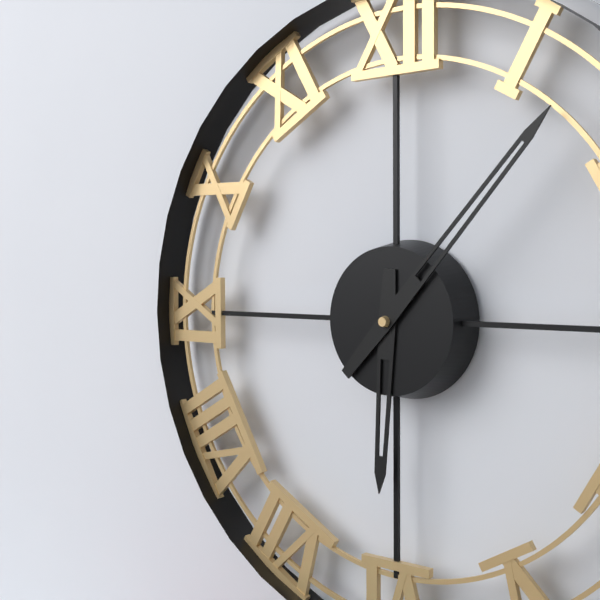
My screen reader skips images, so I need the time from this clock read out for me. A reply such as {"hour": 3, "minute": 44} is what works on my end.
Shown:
{"hour": 6, "minute": 7}
